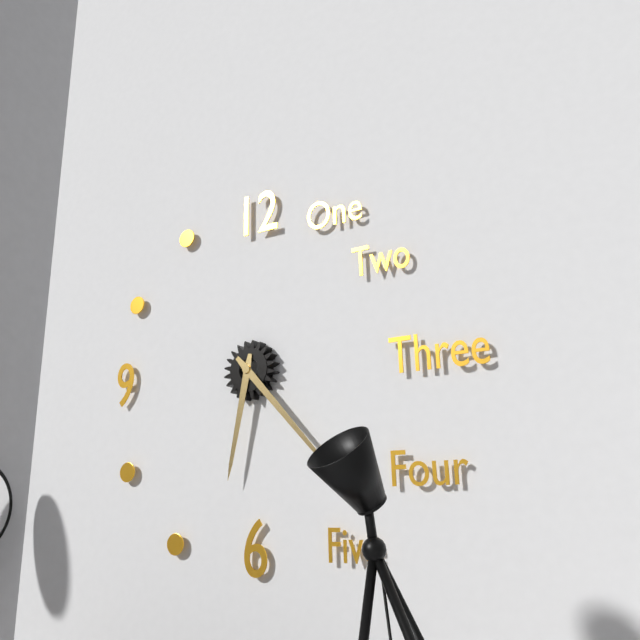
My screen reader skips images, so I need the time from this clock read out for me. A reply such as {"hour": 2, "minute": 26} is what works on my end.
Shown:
{"hour": 6, "minute": 23}
